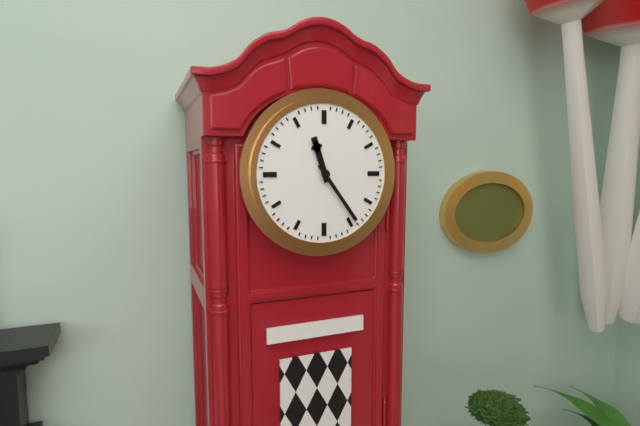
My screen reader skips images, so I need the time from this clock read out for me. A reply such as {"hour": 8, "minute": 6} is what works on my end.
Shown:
{"hour": 11, "minute": 24}
